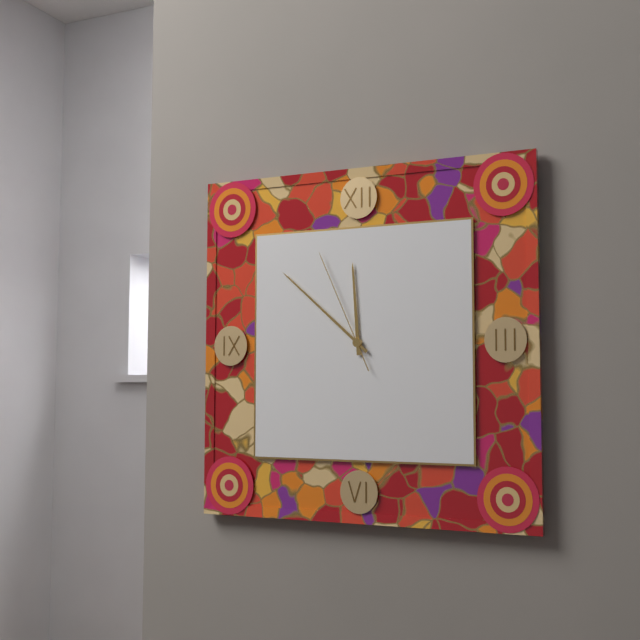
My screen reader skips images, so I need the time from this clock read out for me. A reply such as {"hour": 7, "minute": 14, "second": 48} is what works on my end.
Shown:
{"hour": 11, "minute": 52, "second": 56}
